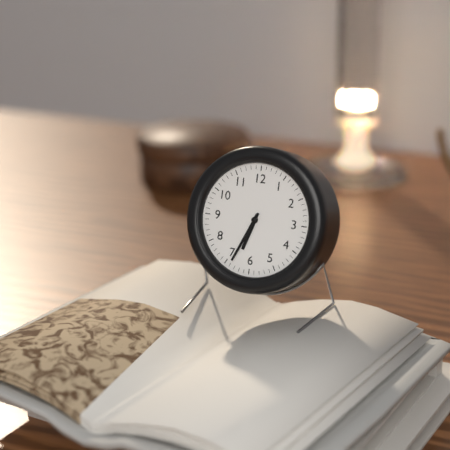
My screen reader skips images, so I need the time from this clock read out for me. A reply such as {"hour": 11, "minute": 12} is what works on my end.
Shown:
{"hour": 6, "minute": 34}
